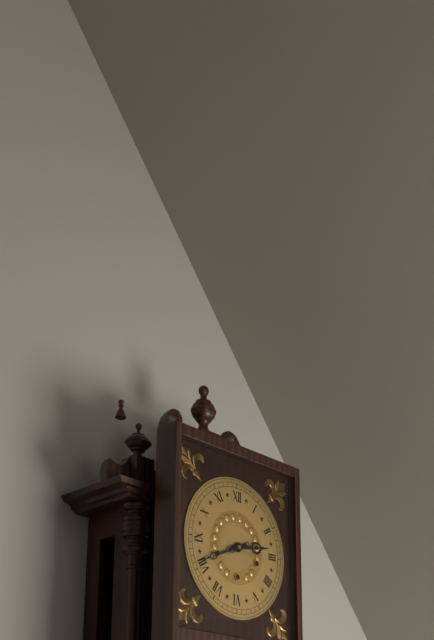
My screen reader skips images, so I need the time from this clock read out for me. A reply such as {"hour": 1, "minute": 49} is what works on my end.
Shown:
{"hour": 2, "minute": 41}
